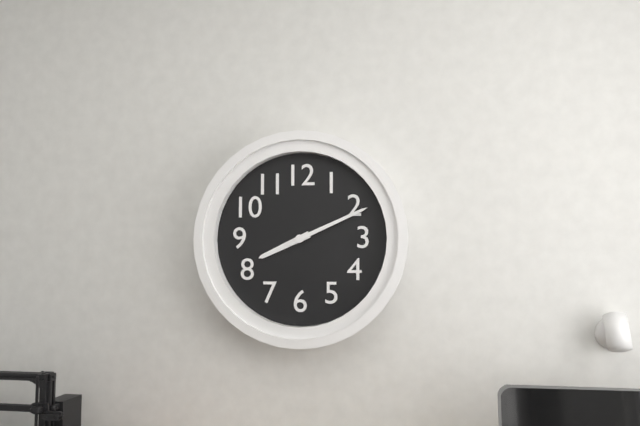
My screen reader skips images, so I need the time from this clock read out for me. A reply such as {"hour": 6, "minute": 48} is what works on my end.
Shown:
{"hour": 8, "minute": 11}
